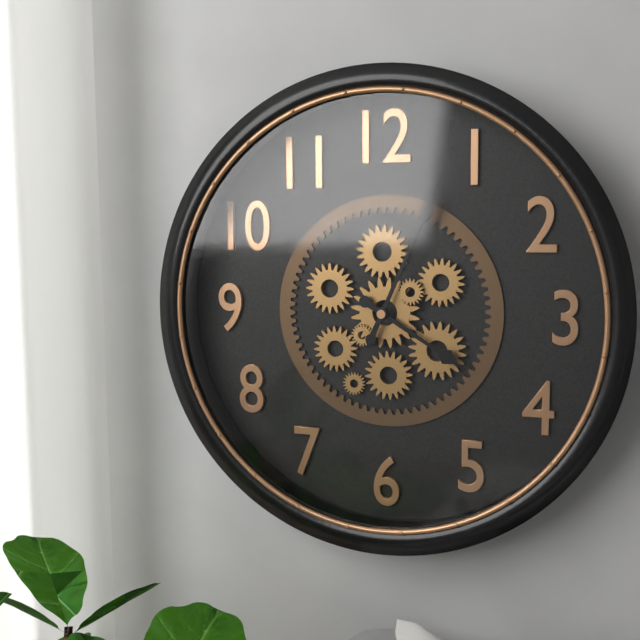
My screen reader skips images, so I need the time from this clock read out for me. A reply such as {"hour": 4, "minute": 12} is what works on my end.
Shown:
{"hour": 4, "minute": 4}
